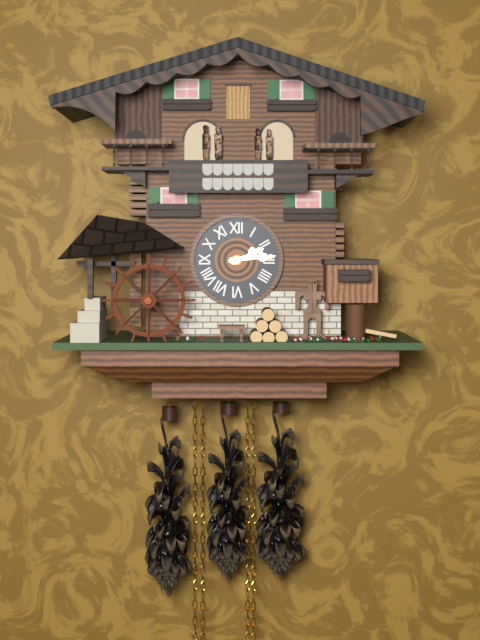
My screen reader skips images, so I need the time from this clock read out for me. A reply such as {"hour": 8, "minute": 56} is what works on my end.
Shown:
{"hour": 2, "minute": 14}
